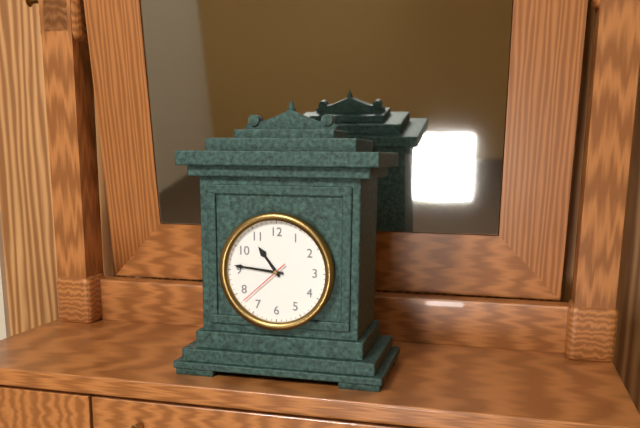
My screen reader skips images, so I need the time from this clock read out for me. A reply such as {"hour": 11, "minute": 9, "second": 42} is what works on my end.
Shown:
{"hour": 10, "minute": 46, "second": 38}
